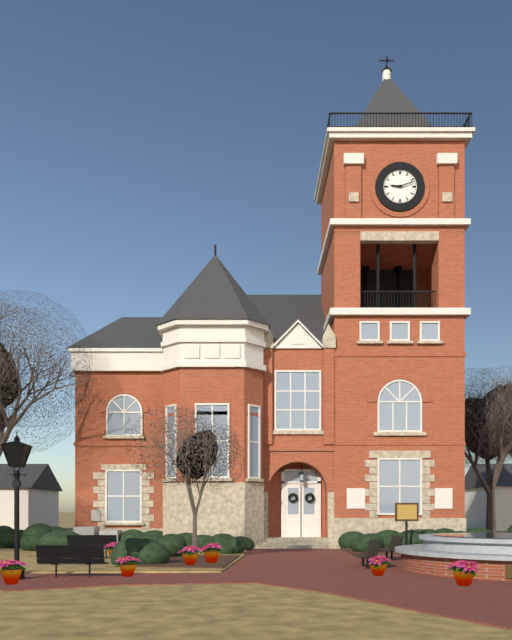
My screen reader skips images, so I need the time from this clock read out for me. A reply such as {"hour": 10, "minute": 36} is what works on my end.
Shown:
{"hour": 9, "minute": 12}
